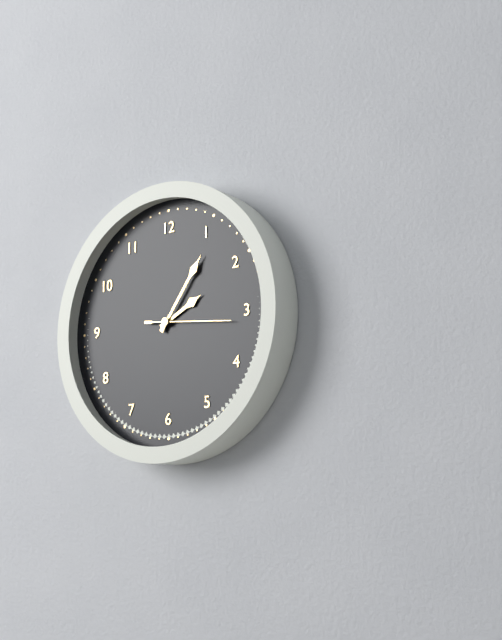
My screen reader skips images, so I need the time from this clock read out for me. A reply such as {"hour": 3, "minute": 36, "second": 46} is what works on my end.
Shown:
{"hour": 2, "minute": 6, "second": 16}
